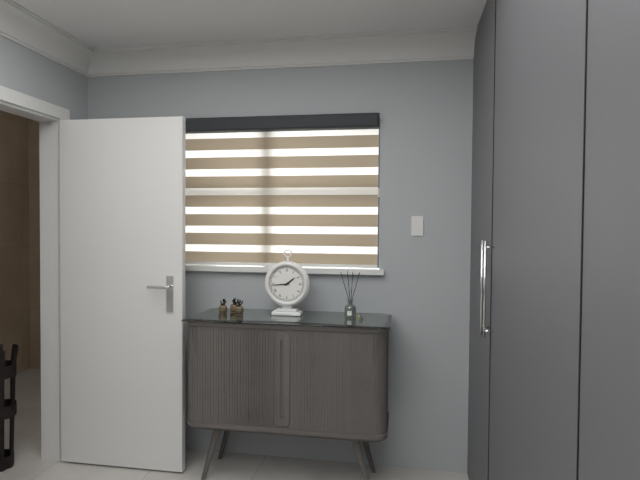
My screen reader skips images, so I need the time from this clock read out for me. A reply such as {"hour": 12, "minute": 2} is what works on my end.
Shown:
{"hour": 1, "minute": 44}
